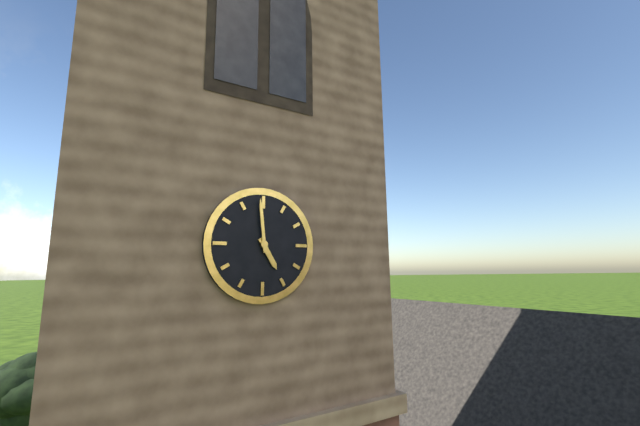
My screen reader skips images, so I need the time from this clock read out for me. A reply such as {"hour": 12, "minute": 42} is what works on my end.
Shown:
{"hour": 4, "minute": 59}
